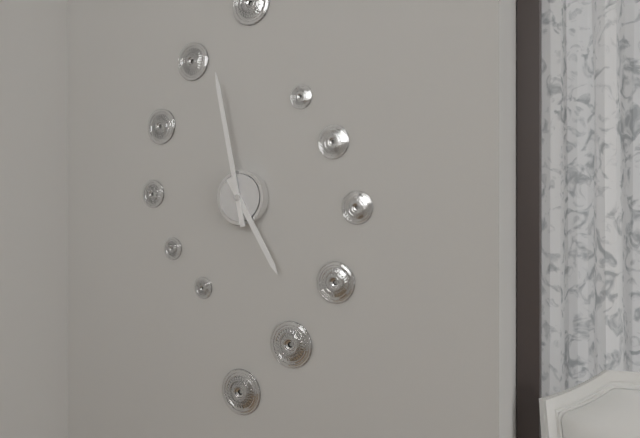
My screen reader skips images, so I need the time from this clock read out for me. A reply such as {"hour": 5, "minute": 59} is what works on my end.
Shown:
{"hour": 4, "minute": 58}
